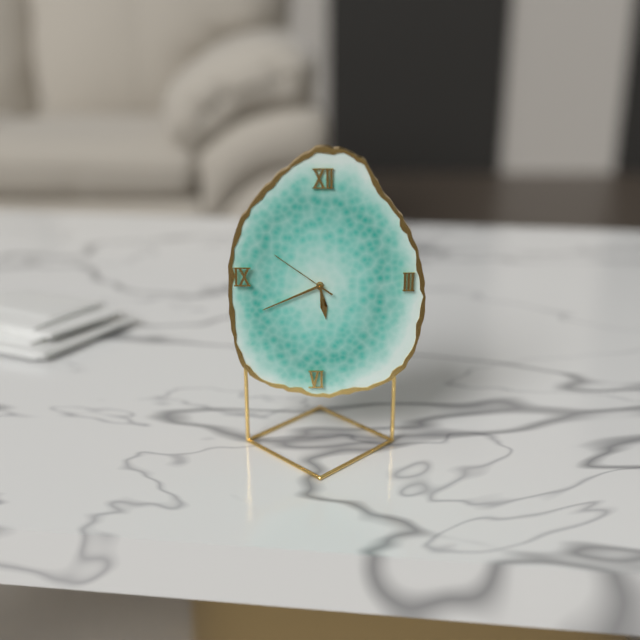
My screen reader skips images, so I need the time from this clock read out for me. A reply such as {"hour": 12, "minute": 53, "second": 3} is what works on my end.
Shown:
{"hour": 5, "minute": 41, "second": 51}
